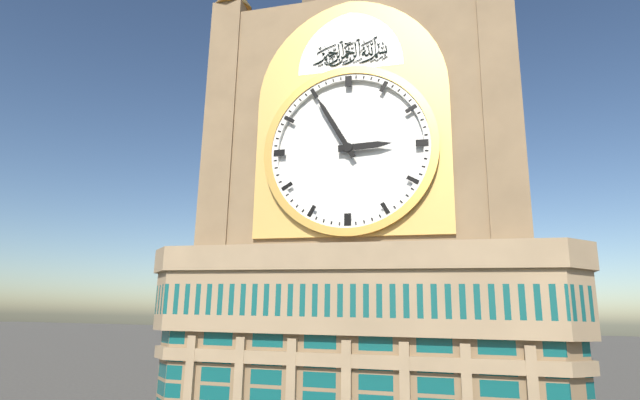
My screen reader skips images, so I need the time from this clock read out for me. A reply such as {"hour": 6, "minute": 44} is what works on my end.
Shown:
{"hour": 2, "minute": 55}
